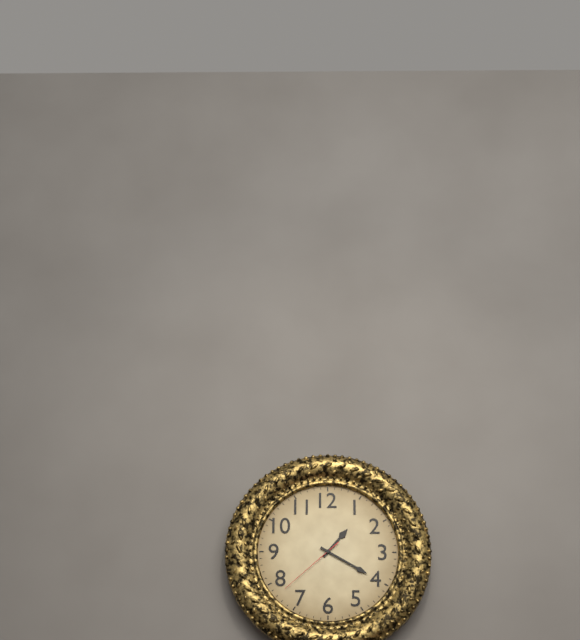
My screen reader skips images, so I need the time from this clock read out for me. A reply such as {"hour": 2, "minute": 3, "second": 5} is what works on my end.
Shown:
{"hour": 1, "minute": 20, "second": 38}
